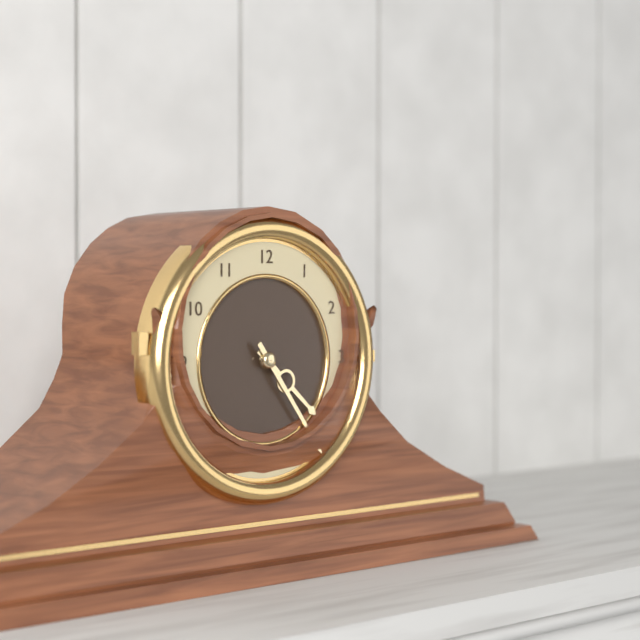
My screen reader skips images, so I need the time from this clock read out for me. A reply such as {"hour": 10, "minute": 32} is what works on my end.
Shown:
{"hour": 4, "minute": 24}
